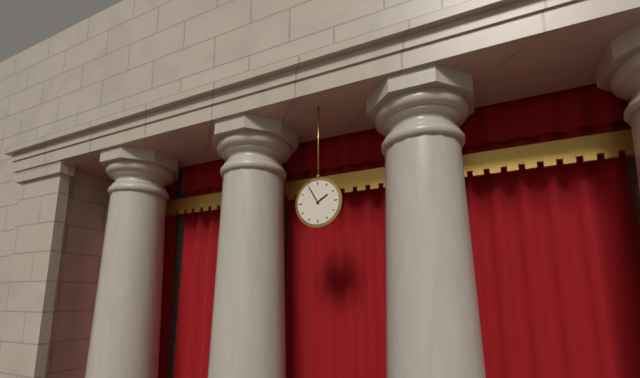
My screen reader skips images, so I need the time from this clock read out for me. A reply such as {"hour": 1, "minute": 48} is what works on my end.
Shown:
{"hour": 1, "minute": 55}
